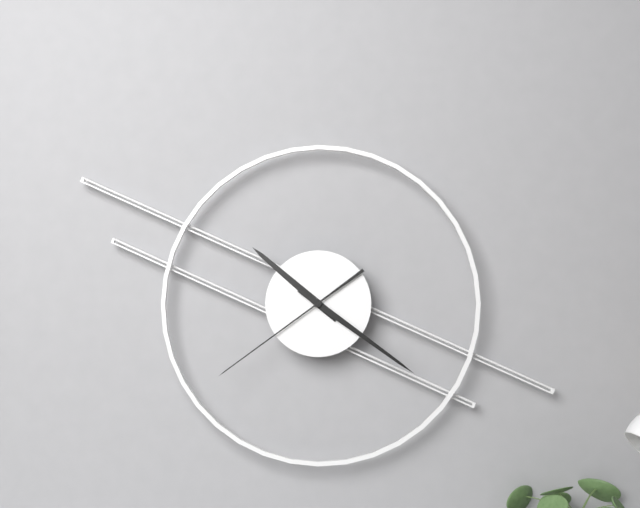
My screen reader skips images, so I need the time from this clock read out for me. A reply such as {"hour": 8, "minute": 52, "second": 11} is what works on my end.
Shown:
{"hour": 10, "minute": 21, "second": 39}
